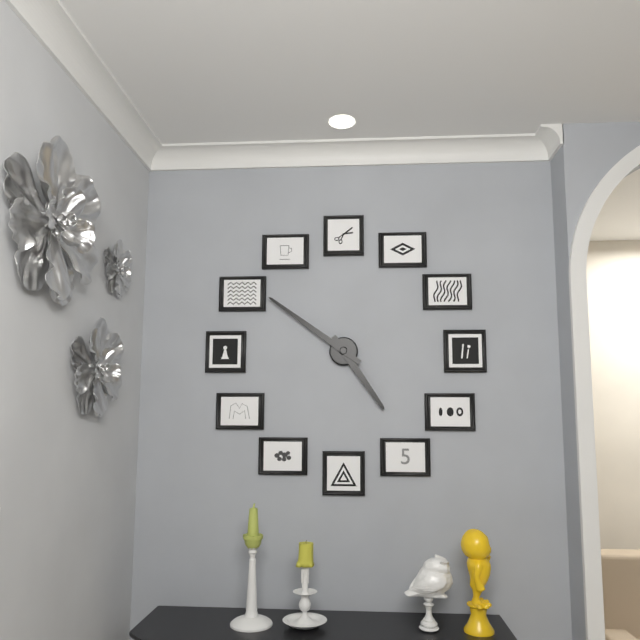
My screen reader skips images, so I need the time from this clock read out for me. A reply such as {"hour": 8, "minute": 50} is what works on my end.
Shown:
{"hour": 4, "minute": 51}
